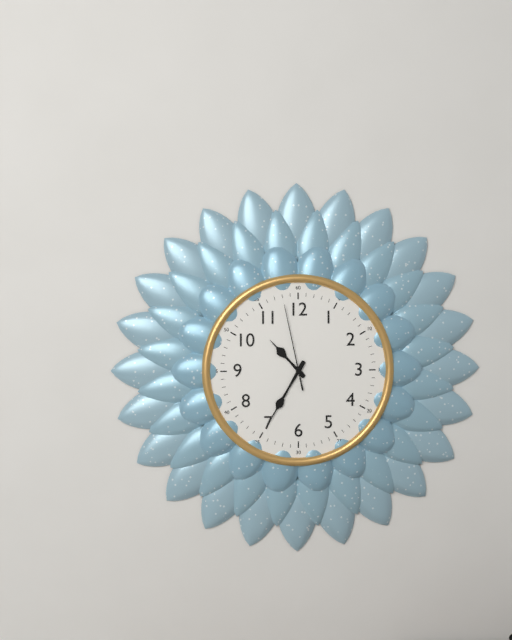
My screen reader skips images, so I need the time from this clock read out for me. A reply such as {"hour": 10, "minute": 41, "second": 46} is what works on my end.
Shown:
{"hour": 10, "minute": 35, "second": 58}
